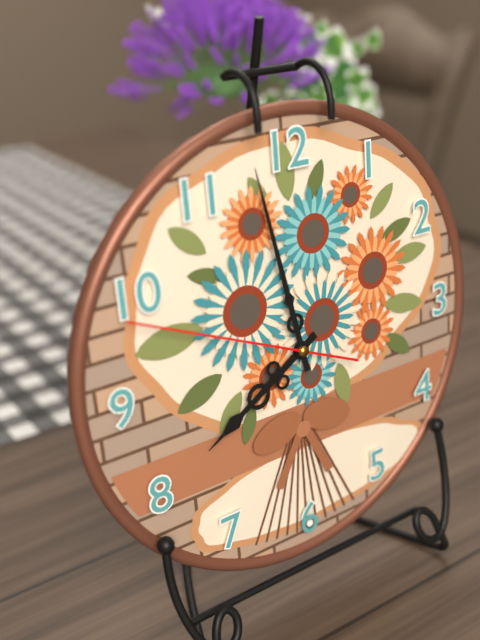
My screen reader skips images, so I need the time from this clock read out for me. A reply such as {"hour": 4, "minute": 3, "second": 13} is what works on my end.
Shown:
{"hour": 7, "minute": 58, "second": 49}
